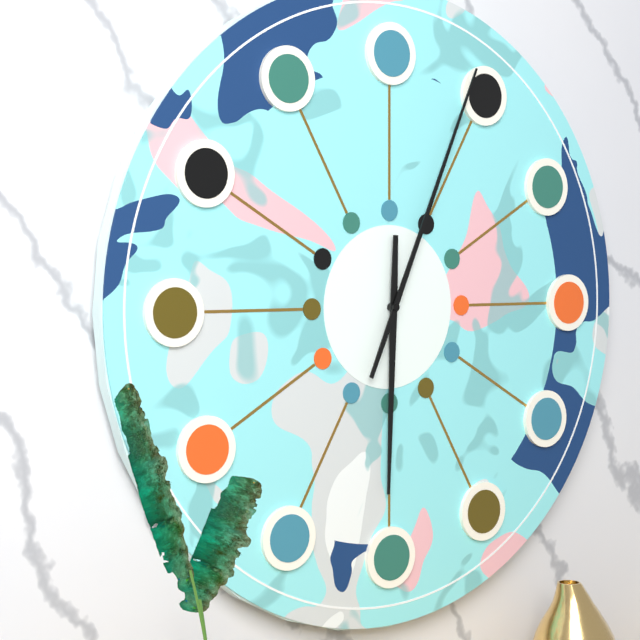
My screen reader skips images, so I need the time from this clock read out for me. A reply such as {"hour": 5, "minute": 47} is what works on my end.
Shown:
{"hour": 6, "minute": 4}
